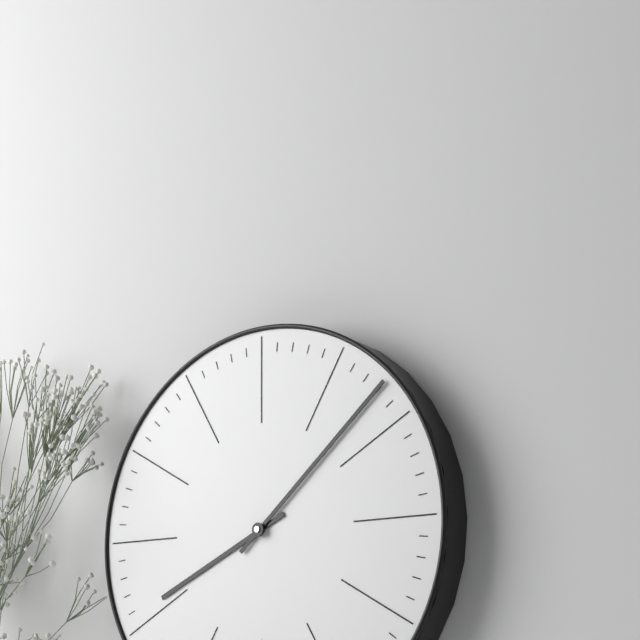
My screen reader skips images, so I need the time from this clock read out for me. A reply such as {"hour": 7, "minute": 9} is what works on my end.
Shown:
{"hour": 8, "minute": 8}
